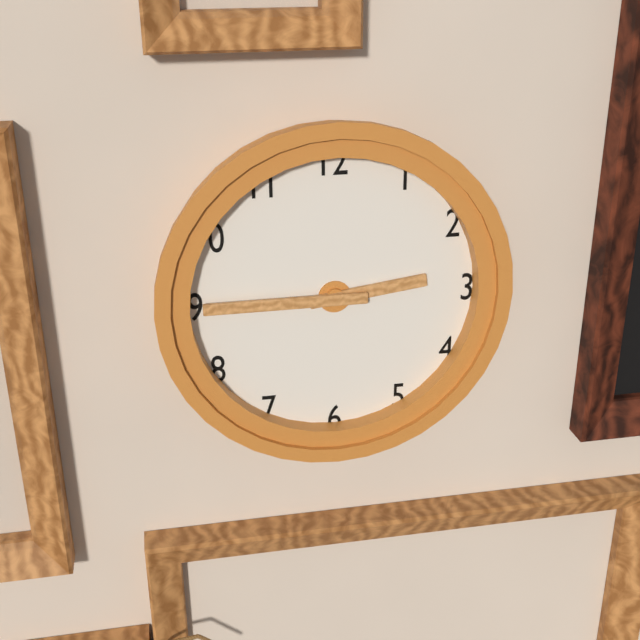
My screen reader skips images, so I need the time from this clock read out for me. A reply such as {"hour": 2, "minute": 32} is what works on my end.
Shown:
{"hour": 2, "minute": 45}
